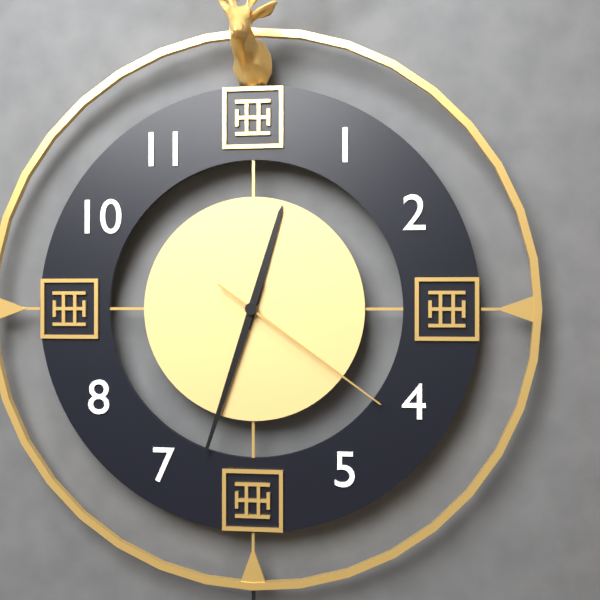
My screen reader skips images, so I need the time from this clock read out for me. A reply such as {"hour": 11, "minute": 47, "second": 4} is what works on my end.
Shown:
{"hour": 12, "minute": 33, "second": 21}
